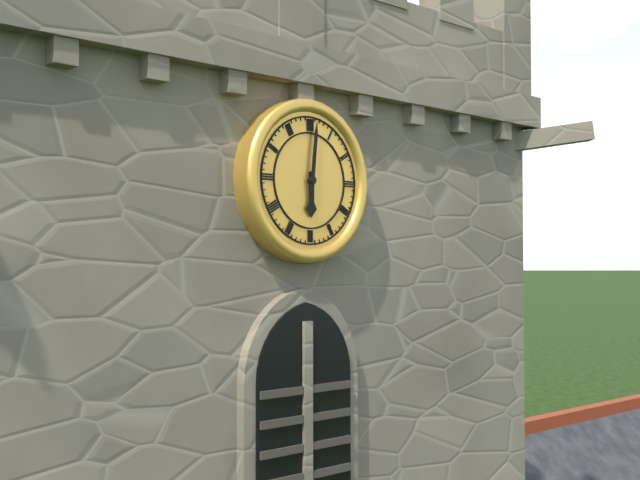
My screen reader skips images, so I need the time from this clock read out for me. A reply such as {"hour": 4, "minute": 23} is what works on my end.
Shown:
{"hour": 6, "minute": 1}
